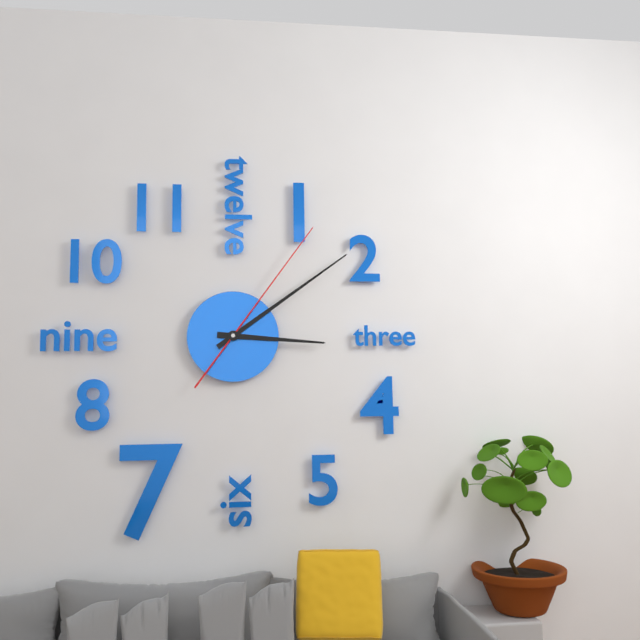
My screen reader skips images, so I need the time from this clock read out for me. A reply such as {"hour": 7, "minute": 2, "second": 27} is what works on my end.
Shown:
{"hour": 3, "minute": 9, "second": 6}
